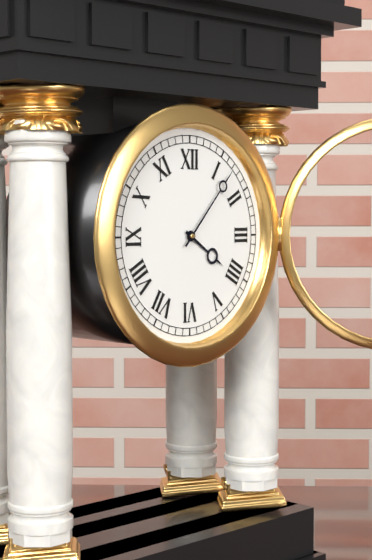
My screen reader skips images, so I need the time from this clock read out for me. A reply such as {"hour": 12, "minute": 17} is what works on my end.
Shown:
{"hour": 4, "minute": 7}
